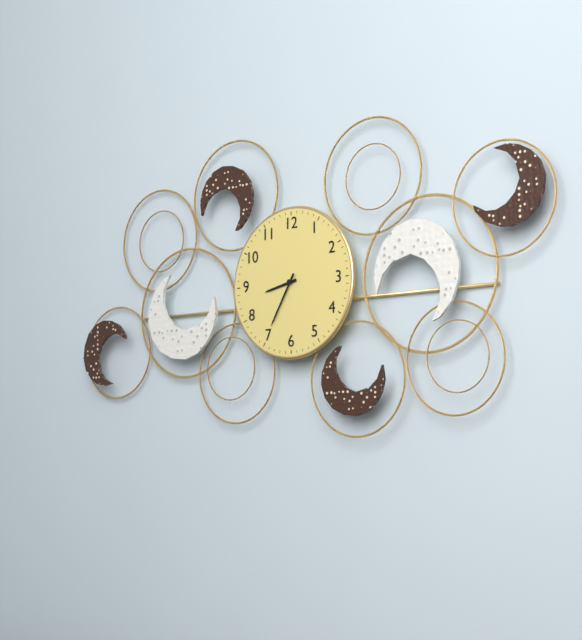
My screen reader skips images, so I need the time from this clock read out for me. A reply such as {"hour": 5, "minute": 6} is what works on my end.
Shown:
{"hour": 8, "minute": 35}
